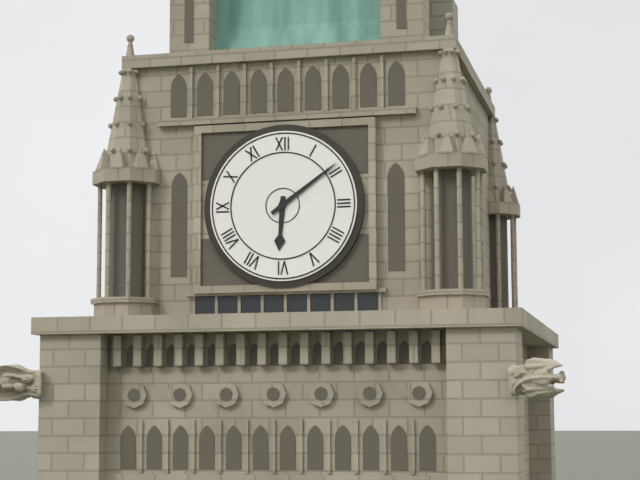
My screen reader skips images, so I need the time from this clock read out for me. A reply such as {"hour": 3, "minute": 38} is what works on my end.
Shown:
{"hour": 6, "minute": 9}
